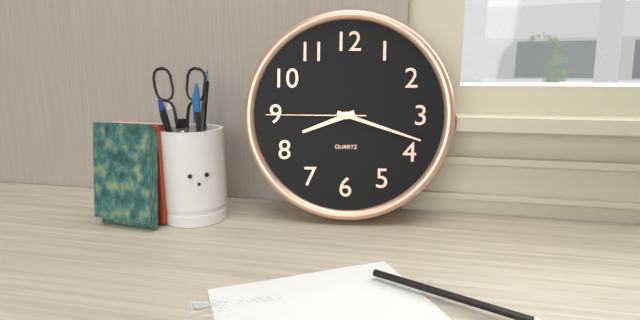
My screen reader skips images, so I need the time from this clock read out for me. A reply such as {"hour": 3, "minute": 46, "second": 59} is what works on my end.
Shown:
{"hour": 8, "minute": 18, "second": 45}
